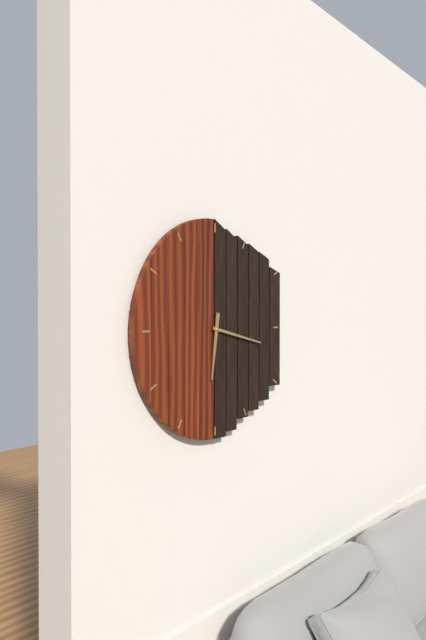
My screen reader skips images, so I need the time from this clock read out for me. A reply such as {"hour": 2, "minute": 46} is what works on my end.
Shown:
{"hour": 6, "minute": 17}
